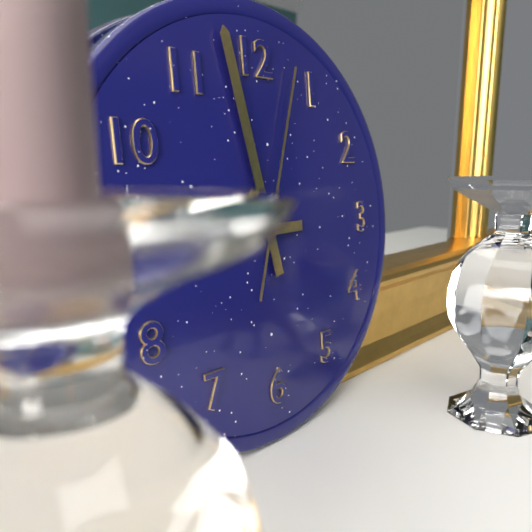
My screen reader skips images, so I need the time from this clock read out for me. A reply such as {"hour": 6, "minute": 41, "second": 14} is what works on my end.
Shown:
{"hour": 8, "minute": 58, "second": 3}
